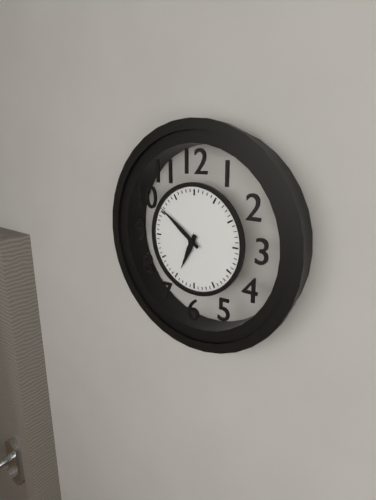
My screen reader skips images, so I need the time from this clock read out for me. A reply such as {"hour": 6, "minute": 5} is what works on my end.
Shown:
{"hour": 6, "minute": 51}
